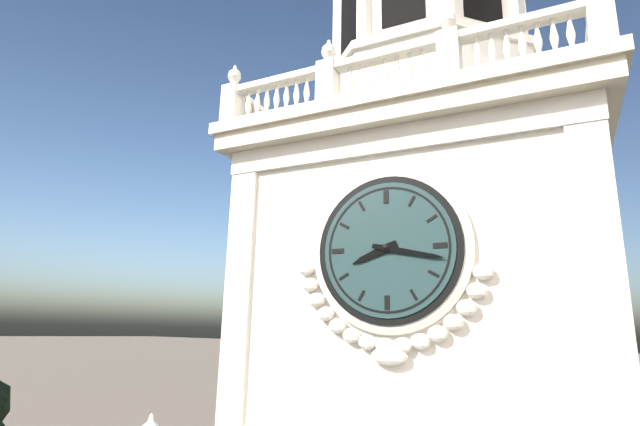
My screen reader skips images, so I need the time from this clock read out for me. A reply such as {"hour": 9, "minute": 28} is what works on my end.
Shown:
{"hour": 8, "minute": 17}
